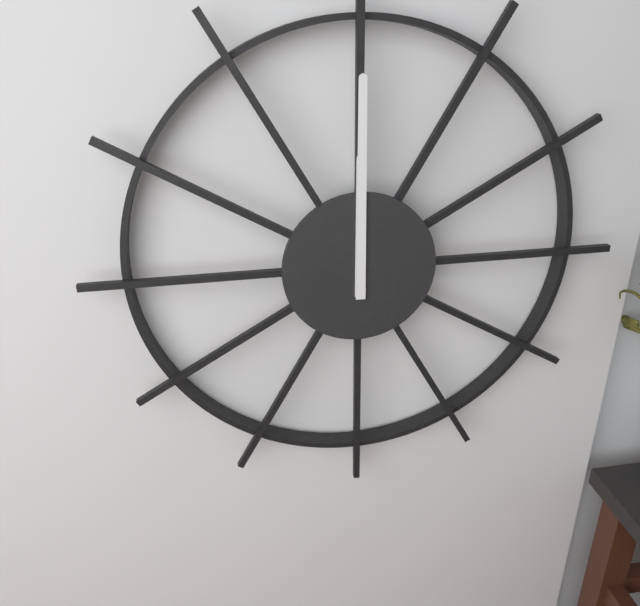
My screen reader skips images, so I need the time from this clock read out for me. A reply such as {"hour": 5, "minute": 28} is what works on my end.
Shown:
{"hour": 12, "minute": 0}
